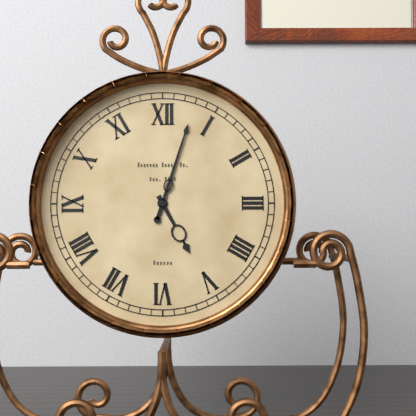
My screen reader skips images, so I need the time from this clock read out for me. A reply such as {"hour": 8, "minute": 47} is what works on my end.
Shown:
{"hour": 5, "minute": 3}
